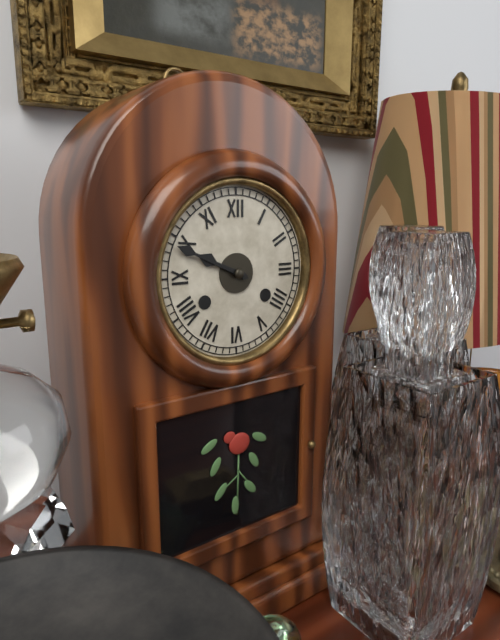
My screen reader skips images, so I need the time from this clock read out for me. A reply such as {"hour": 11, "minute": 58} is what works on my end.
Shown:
{"hour": 9, "minute": 49}
